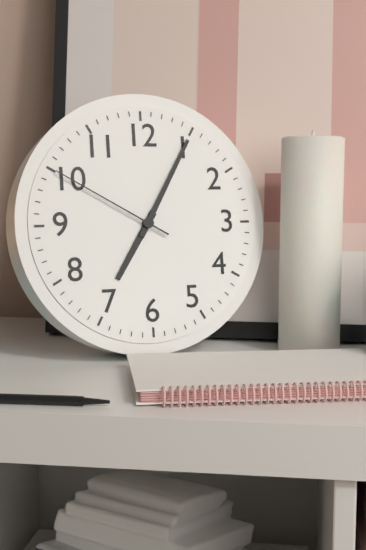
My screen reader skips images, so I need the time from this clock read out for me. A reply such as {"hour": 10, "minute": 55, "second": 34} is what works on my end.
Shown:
{"hour": 7, "minute": 5, "second": 50}
